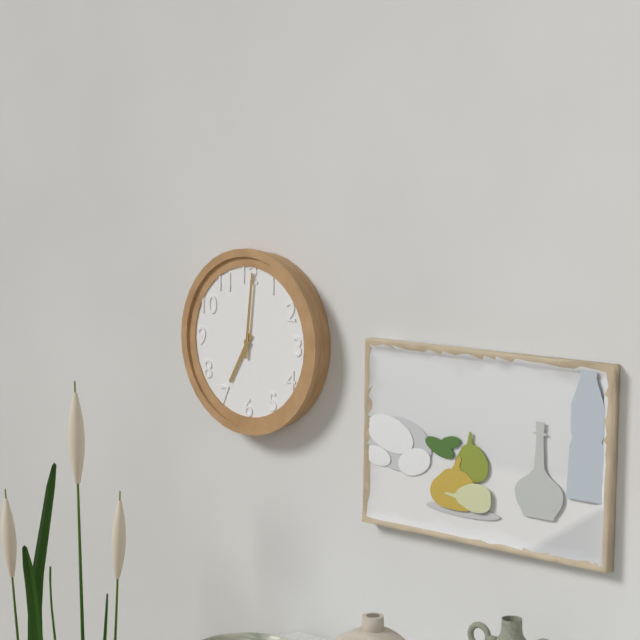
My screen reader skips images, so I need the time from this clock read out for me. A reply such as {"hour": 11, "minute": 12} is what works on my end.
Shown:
{"hour": 7, "minute": 1}
